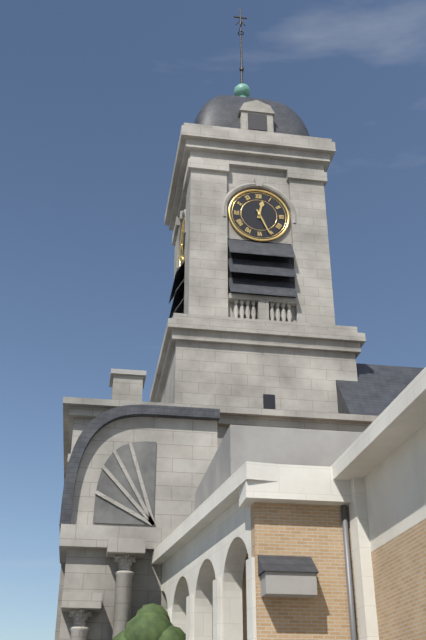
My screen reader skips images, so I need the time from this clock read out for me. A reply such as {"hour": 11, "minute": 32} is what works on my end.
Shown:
{"hour": 12, "minute": 26}
